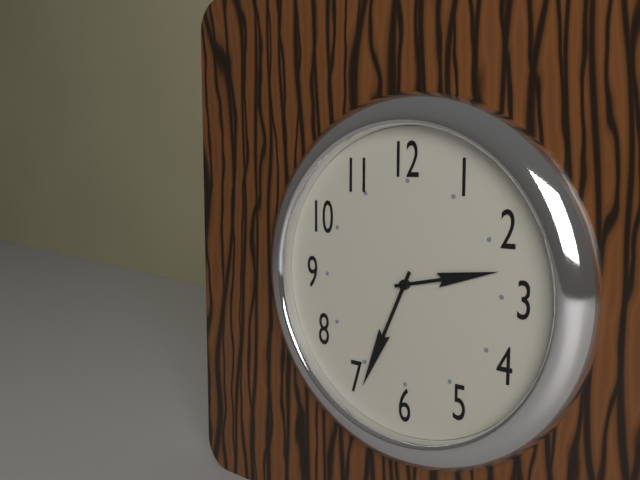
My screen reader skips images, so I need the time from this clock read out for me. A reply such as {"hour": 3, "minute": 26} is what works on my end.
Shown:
{"hour": 2, "minute": 34}
